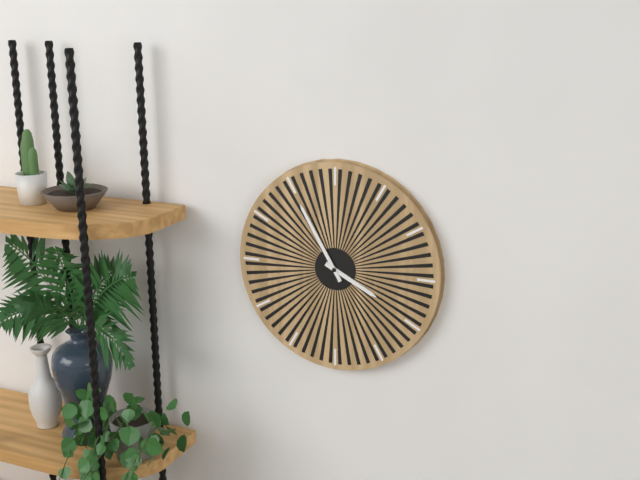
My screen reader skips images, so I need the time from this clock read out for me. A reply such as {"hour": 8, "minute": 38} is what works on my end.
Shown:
{"hour": 3, "minute": 55}
